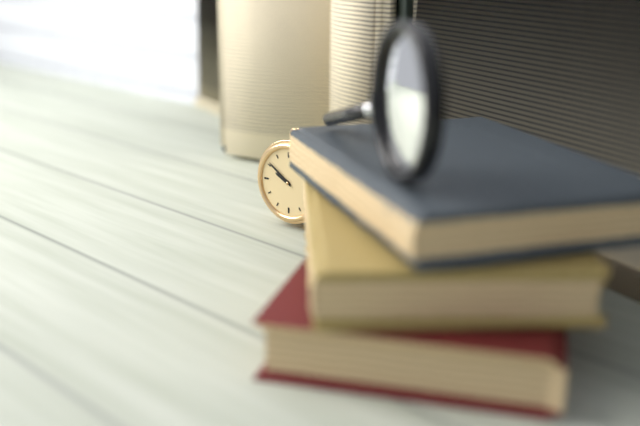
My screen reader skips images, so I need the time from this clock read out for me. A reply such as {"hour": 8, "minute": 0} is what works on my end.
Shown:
{"hour": 9, "minute": 51}
